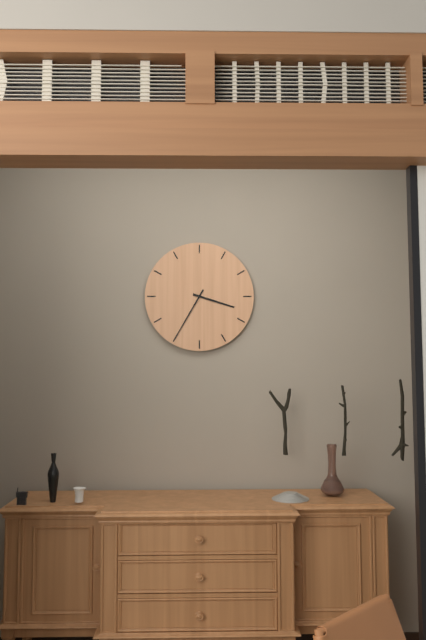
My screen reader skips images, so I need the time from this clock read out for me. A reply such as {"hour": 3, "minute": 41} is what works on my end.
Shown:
{"hour": 3, "minute": 35}
